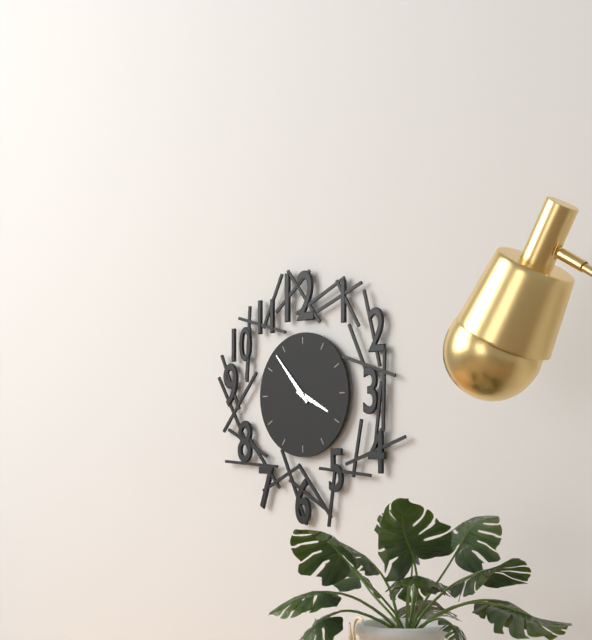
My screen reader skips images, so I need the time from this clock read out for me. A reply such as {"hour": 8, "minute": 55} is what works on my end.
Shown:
{"hour": 3, "minute": 53}
